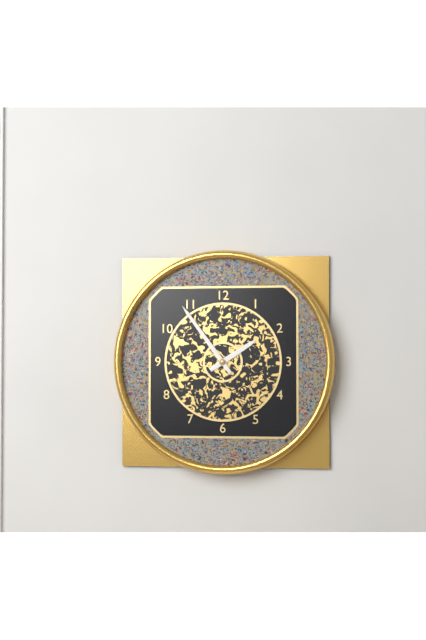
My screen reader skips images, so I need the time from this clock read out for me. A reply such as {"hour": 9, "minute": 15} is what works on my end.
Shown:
{"hour": 1, "minute": 54}
